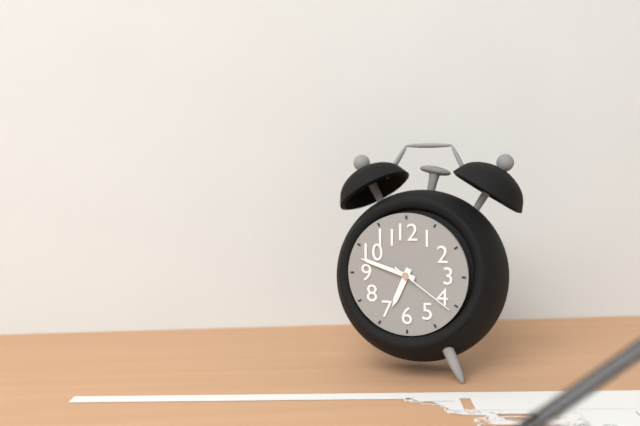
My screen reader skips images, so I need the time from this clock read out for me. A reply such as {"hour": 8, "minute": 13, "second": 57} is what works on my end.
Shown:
{"hour": 6, "minute": 48, "second": 21}
